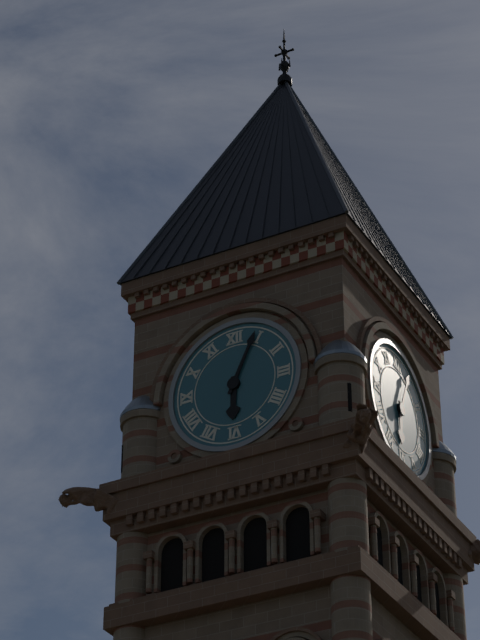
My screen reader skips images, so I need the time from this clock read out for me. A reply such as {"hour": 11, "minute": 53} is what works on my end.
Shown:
{"hour": 6, "minute": 4}
